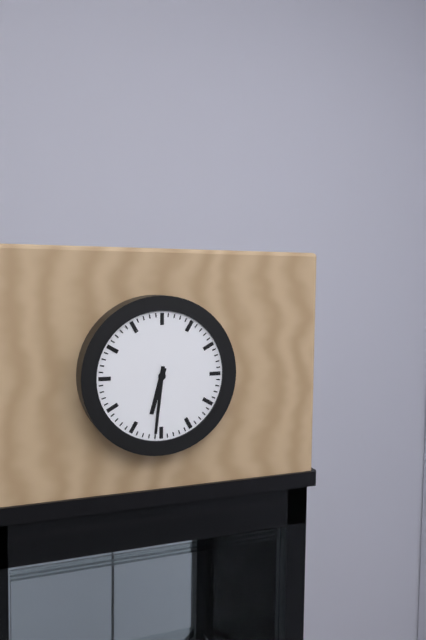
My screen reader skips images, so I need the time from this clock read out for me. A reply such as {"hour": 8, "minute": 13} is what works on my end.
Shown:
{"hour": 6, "minute": 31}
